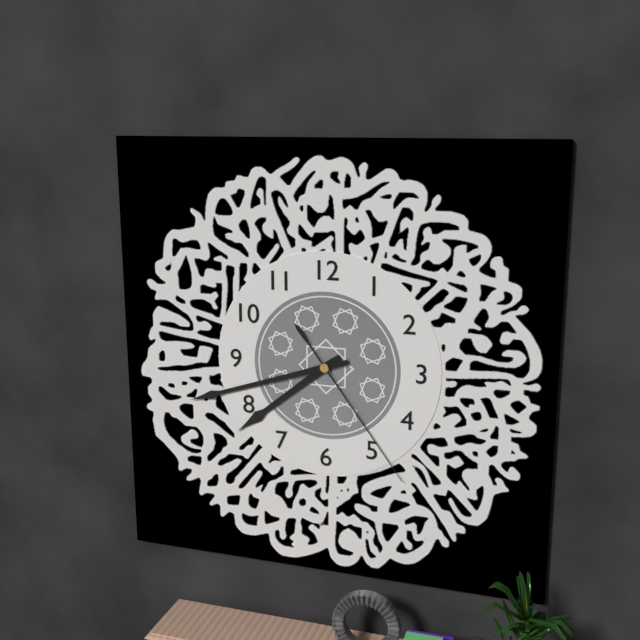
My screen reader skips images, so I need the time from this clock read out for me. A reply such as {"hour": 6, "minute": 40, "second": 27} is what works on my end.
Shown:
{"hour": 7, "minute": 42, "second": 24}
